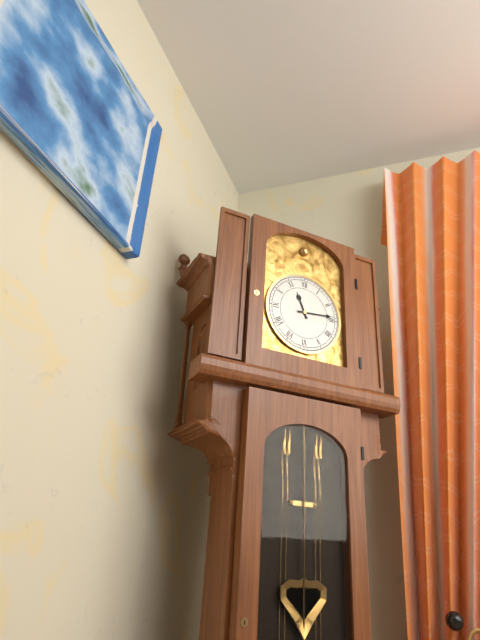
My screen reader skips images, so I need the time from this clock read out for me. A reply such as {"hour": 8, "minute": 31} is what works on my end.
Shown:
{"hour": 11, "minute": 14}
